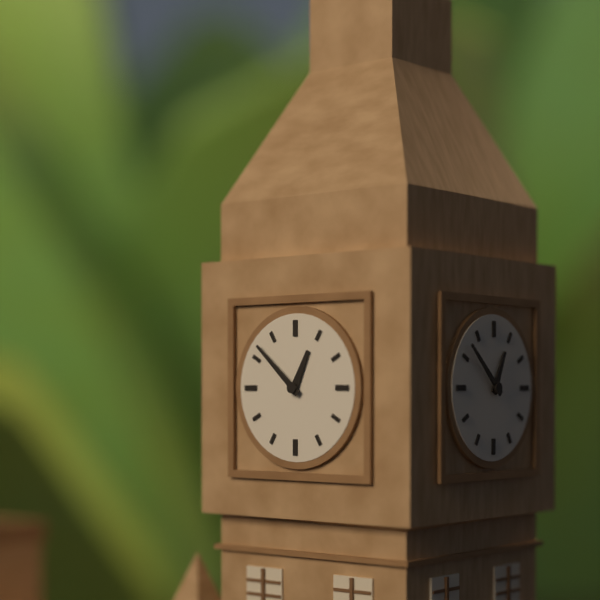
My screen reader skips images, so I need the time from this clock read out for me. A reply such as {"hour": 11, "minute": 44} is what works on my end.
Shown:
{"hour": 12, "minute": 52}
